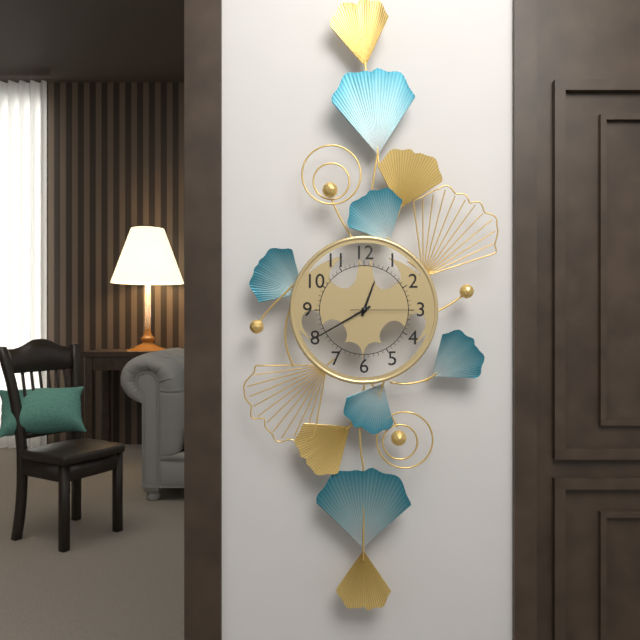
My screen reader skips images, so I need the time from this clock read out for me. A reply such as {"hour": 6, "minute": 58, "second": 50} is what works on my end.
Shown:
{"hour": 12, "minute": 40, "second": 15}
